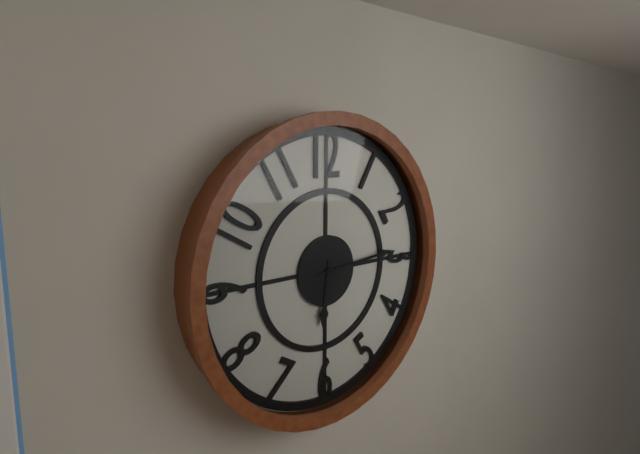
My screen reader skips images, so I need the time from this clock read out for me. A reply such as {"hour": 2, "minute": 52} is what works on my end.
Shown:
{"hour": 6, "minute": 14}
